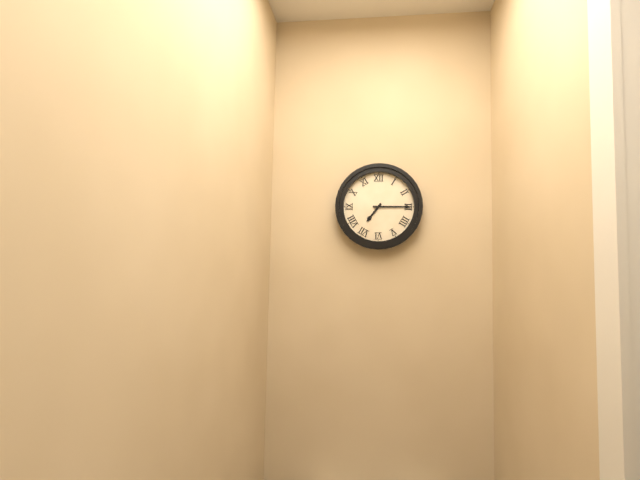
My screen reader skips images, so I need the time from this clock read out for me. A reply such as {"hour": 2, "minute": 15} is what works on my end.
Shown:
{"hour": 7, "minute": 15}
